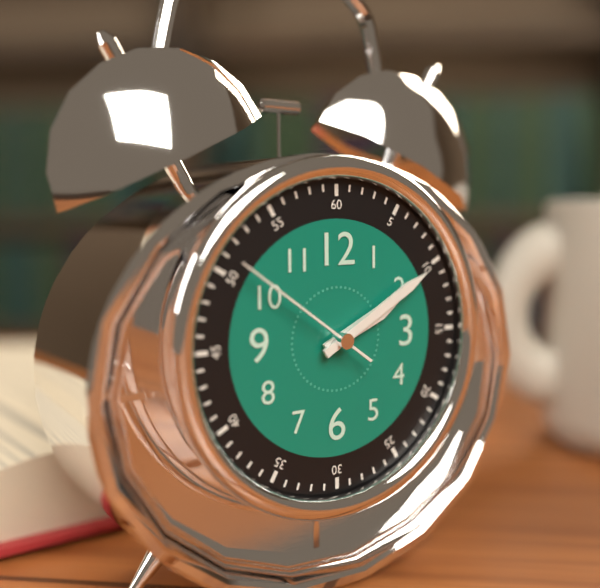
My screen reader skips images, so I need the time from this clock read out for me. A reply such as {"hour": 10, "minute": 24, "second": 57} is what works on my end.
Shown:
{"hour": 2, "minute": 10, "second": 51}
